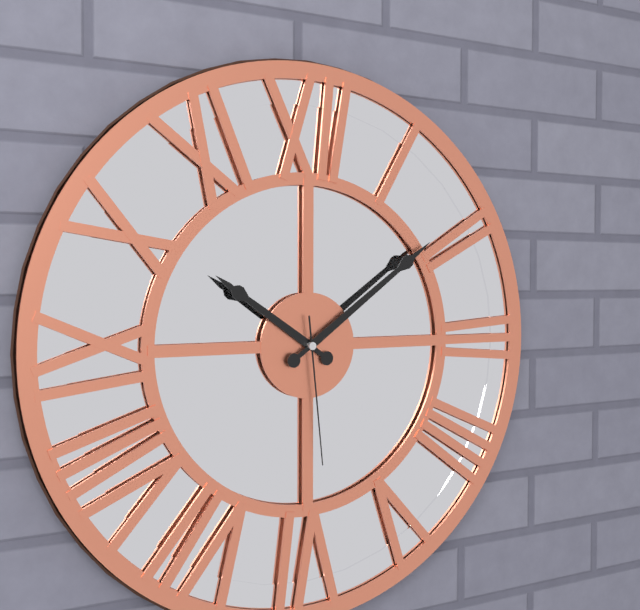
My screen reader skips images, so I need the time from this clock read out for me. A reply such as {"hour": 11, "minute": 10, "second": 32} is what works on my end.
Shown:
{"hour": 10, "minute": 9, "second": 29}
